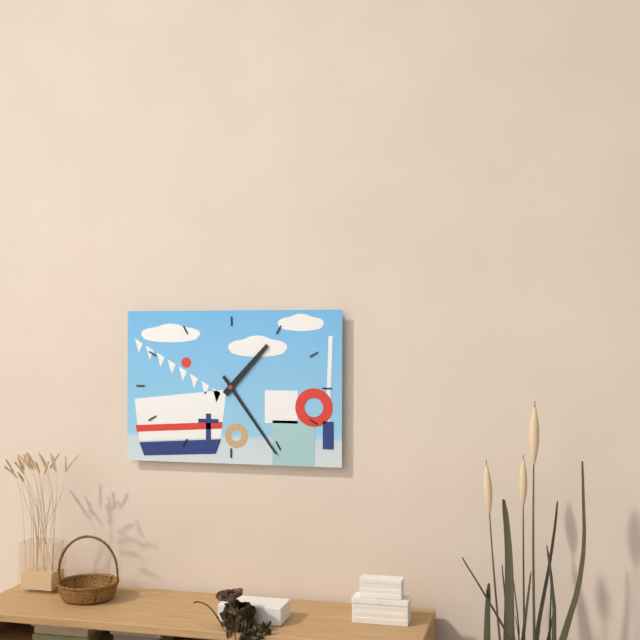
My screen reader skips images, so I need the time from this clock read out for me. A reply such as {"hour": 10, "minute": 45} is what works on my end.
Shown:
{"hour": 1, "minute": 24}
